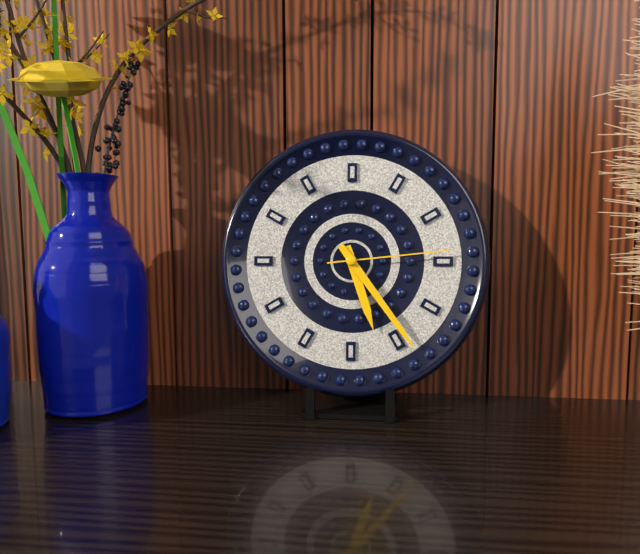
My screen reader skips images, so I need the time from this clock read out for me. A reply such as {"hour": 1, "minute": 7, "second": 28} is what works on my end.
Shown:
{"hour": 5, "minute": 24, "second": 14}
